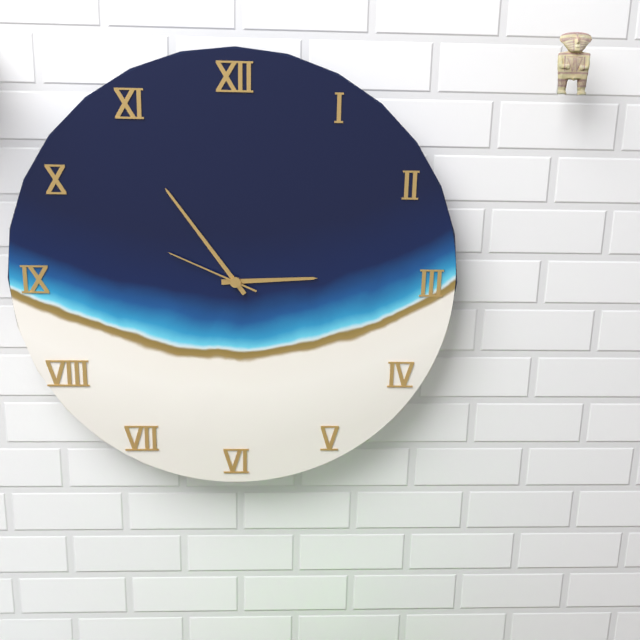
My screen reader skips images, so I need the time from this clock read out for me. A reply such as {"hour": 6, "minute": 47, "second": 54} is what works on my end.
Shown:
{"hour": 2, "minute": 54, "second": 49}
